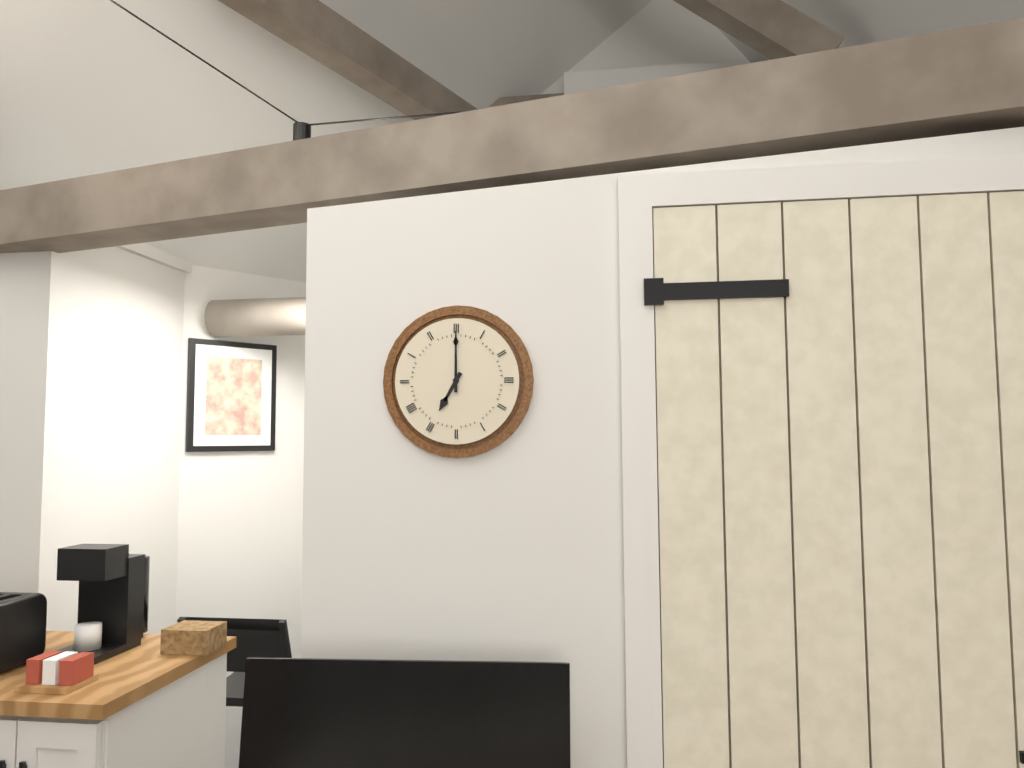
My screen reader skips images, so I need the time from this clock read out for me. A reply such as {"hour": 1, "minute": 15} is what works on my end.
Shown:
{"hour": 7, "minute": 0}
